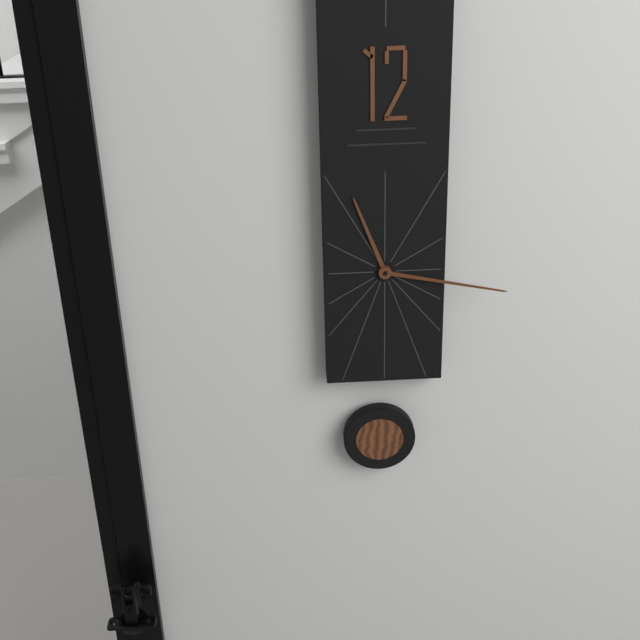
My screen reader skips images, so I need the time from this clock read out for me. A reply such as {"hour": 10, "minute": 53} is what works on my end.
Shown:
{"hour": 11, "minute": 17}
